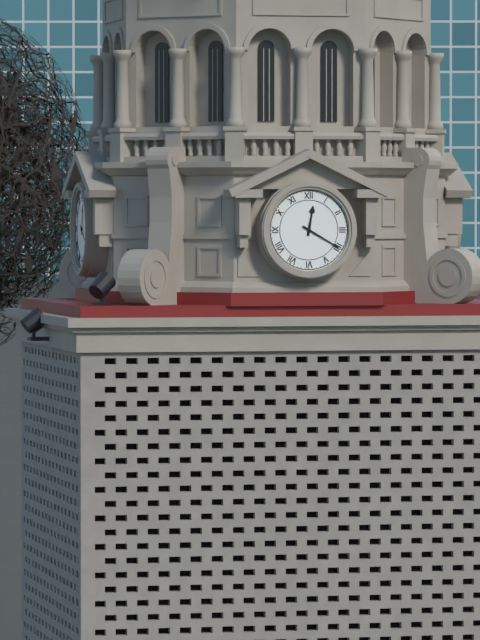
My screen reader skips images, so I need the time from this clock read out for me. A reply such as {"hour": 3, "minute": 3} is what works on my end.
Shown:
{"hour": 12, "minute": 20}
